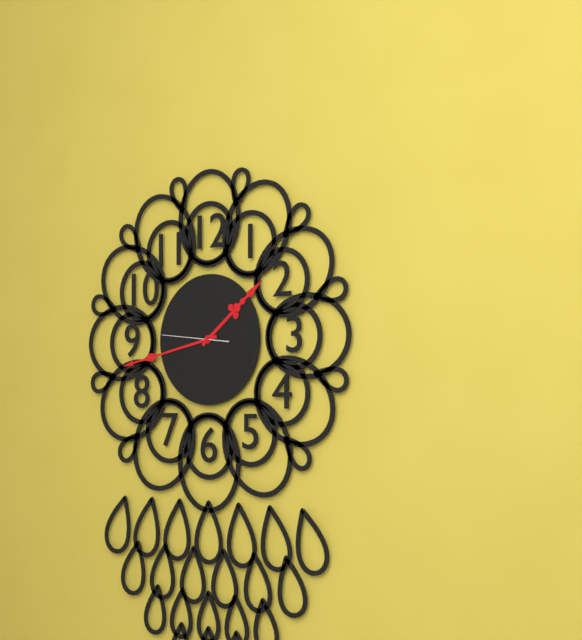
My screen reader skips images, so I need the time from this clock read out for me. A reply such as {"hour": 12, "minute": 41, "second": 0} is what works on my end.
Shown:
{"hour": 1, "minute": 43, "second": 46}
